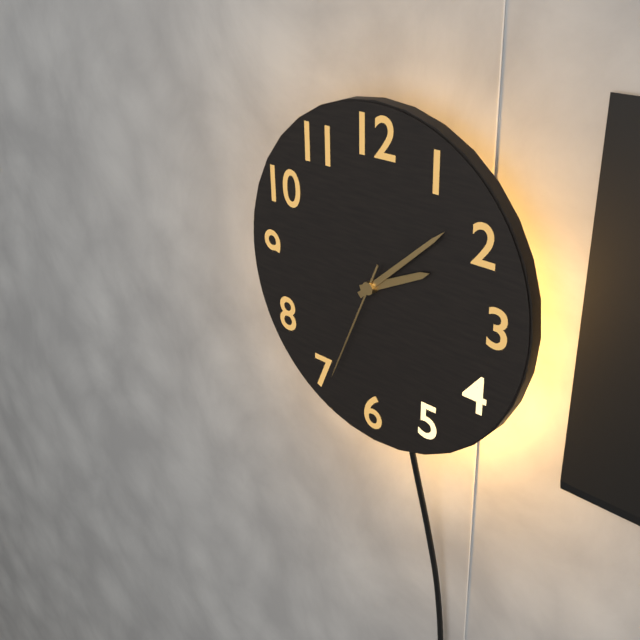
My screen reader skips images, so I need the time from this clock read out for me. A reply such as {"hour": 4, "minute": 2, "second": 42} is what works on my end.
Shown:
{"hour": 2, "minute": 8, "second": 34}
